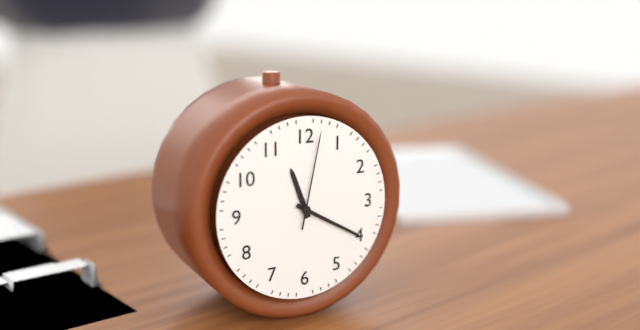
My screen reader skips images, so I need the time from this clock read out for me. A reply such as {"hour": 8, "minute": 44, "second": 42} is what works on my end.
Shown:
{"hour": 11, "minute": 20, "second": 2}
